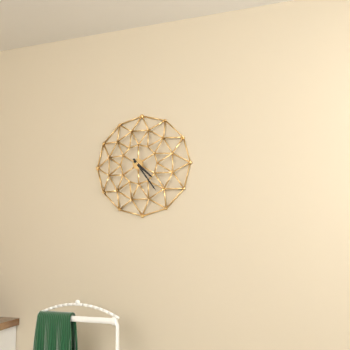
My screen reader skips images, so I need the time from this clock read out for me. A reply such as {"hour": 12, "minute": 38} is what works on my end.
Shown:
{"hour": 4, "minute": 24}
